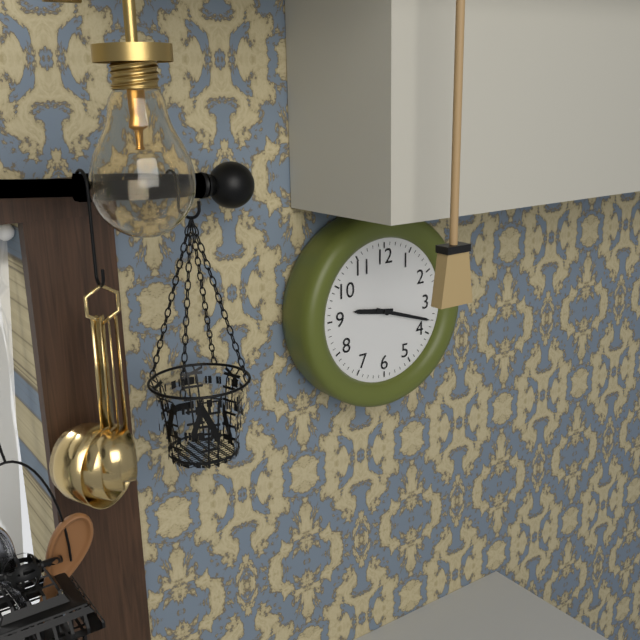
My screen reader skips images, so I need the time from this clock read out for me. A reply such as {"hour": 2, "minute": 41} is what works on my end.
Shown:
{"hour": 9, "minute": 18}
